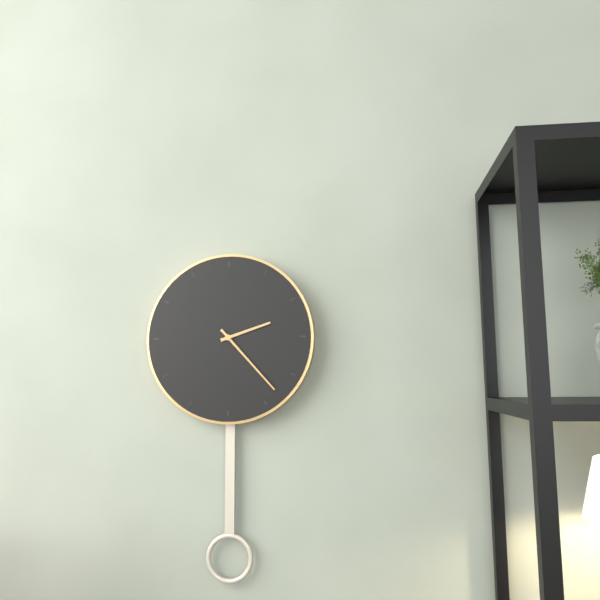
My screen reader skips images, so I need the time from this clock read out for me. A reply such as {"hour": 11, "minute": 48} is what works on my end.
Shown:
{"hour": 2, "minute": 23}
